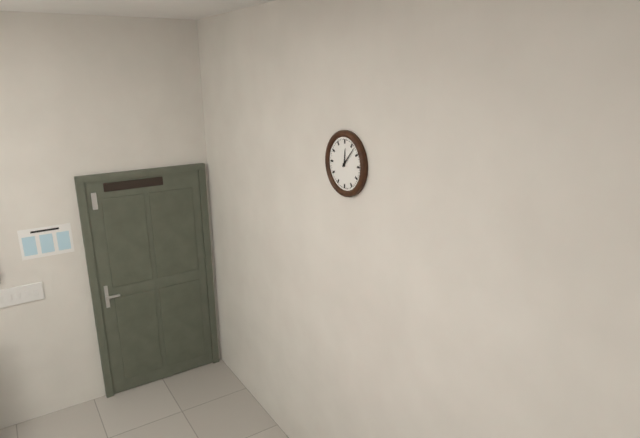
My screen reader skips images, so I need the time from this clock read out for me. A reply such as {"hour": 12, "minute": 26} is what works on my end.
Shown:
{"hour": 12, "minute": 7}
